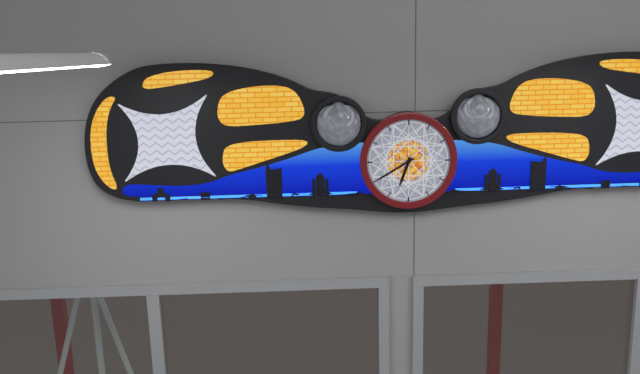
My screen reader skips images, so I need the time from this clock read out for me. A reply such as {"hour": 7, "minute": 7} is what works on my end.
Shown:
{"hour": 6, "minute": 40}
